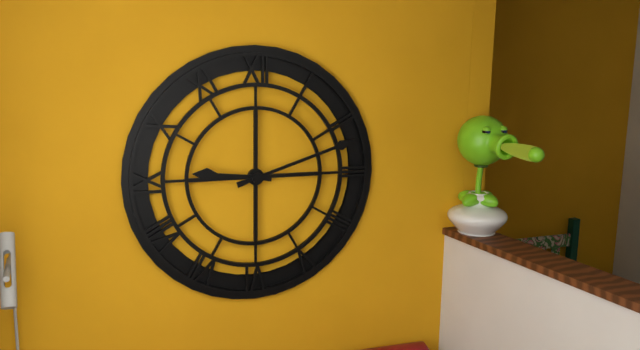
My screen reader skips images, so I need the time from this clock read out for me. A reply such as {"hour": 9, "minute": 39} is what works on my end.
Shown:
{"hour": 9, "minute": 12}
